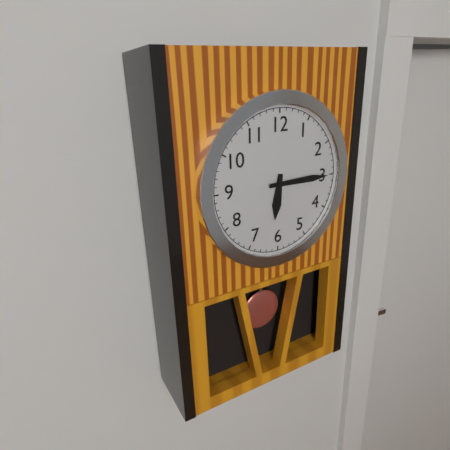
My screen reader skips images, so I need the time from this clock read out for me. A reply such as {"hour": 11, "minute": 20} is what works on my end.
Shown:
{"hour": 6, "minute": 15}
